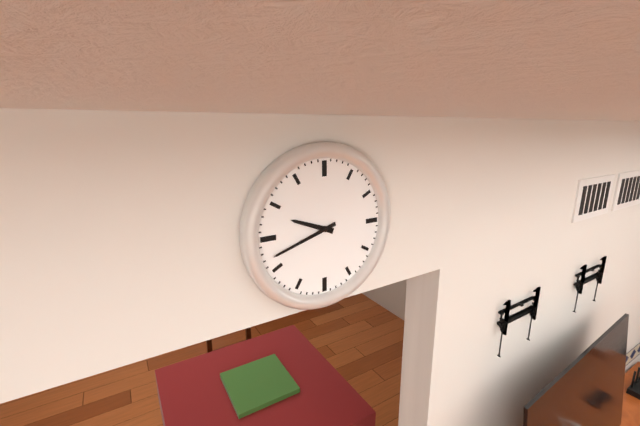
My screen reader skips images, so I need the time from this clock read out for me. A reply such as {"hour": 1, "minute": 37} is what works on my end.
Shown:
{"hour": 9, "minute": 42}
